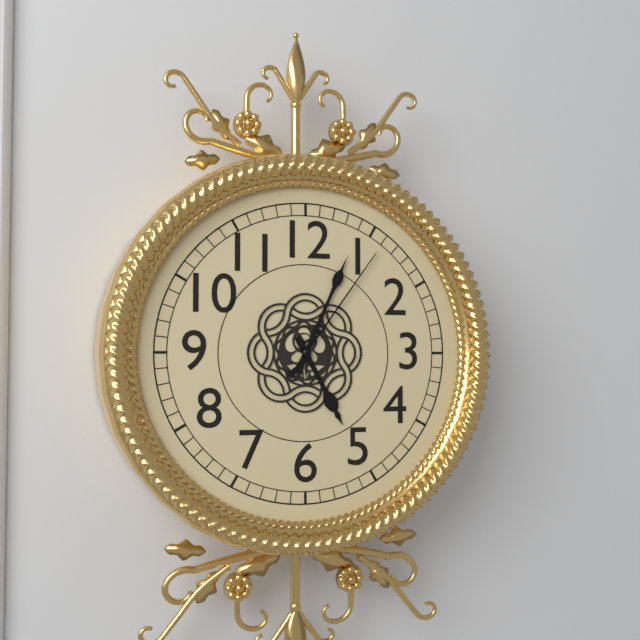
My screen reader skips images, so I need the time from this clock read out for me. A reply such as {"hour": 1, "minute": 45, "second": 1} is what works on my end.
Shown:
{"hour": 5, "minute": 4, "second": 6}
